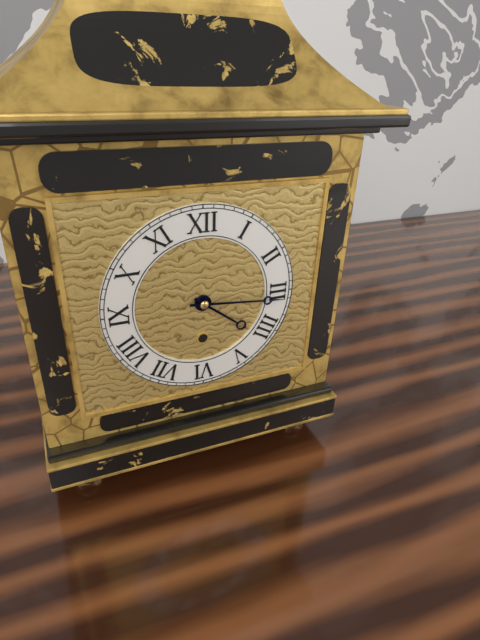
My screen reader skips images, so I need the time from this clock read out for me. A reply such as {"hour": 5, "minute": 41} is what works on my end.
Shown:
{"hour": 4, "minute": 16}
